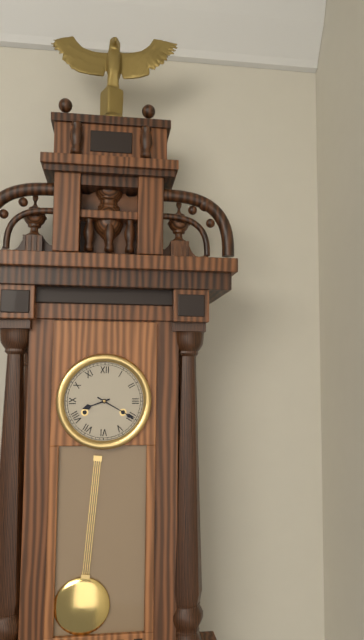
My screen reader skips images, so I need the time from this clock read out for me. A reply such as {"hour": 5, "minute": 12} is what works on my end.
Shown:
{"hour": 8, "minute": 20}
